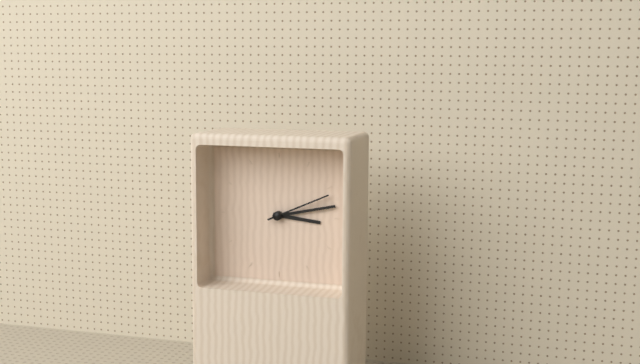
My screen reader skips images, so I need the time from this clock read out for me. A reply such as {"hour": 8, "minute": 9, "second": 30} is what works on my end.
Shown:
{"hour": 3, "minute": 13, "second": 11}
